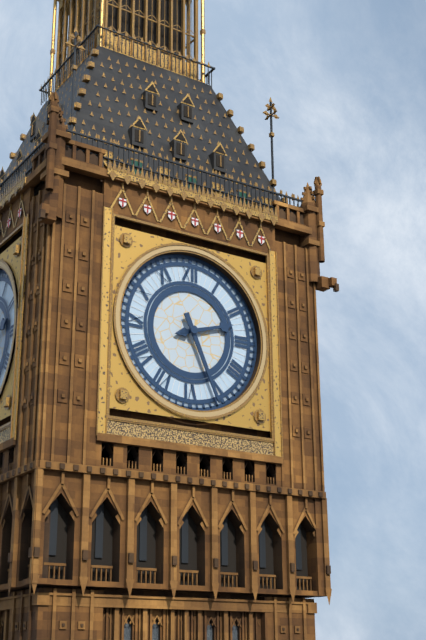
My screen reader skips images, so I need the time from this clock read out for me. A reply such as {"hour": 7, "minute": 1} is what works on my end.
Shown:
{"hour": 2, "minute": 26}
